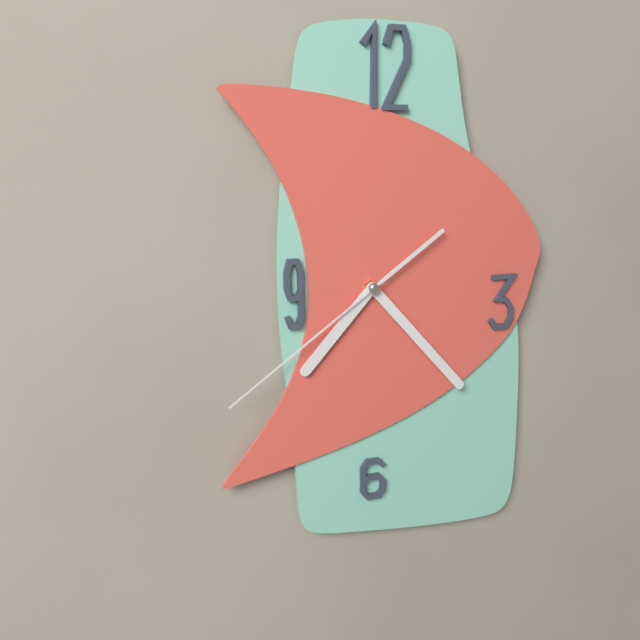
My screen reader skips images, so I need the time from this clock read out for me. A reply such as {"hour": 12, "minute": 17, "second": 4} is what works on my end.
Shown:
{"hour": 7, "minute": 23, "second": 39}
